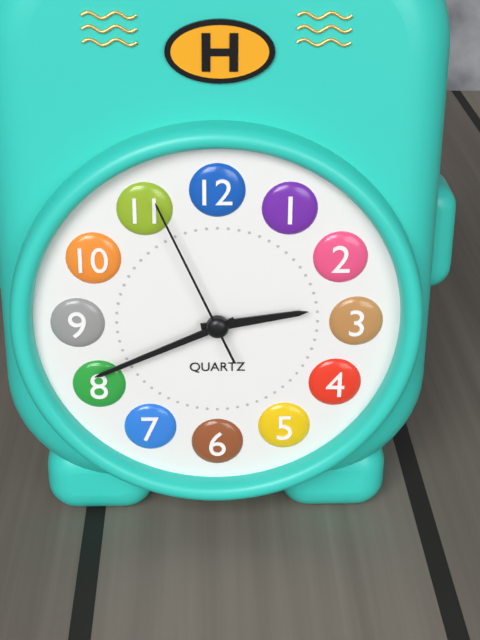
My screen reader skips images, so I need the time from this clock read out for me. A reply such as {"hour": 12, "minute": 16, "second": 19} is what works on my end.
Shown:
{"hour": 2, "minute": 41, "second": 56}
